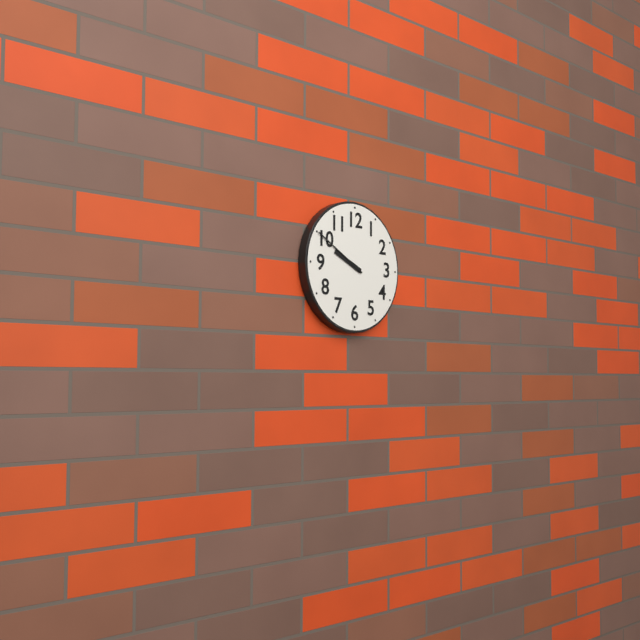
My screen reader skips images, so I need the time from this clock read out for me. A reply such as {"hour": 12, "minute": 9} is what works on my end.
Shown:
{"hour": 9, "minute": 50}
